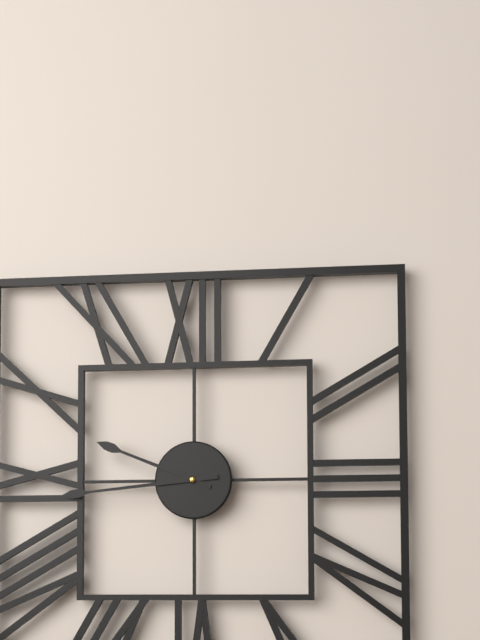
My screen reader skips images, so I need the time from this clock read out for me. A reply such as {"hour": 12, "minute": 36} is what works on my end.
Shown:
{"hour": 9, "minute": 44}
